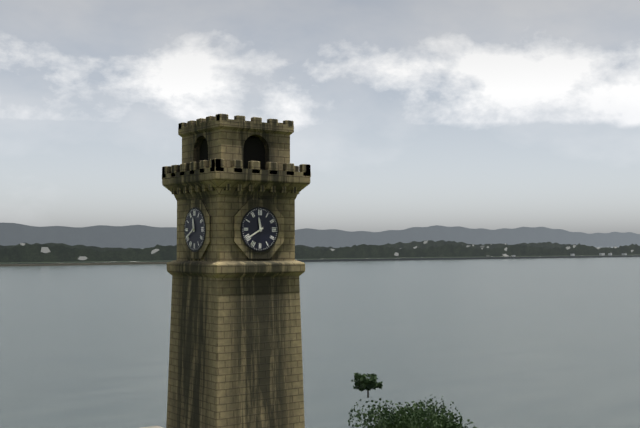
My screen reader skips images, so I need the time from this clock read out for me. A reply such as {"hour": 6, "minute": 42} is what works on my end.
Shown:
{"hour": 11, "minute": 40}
